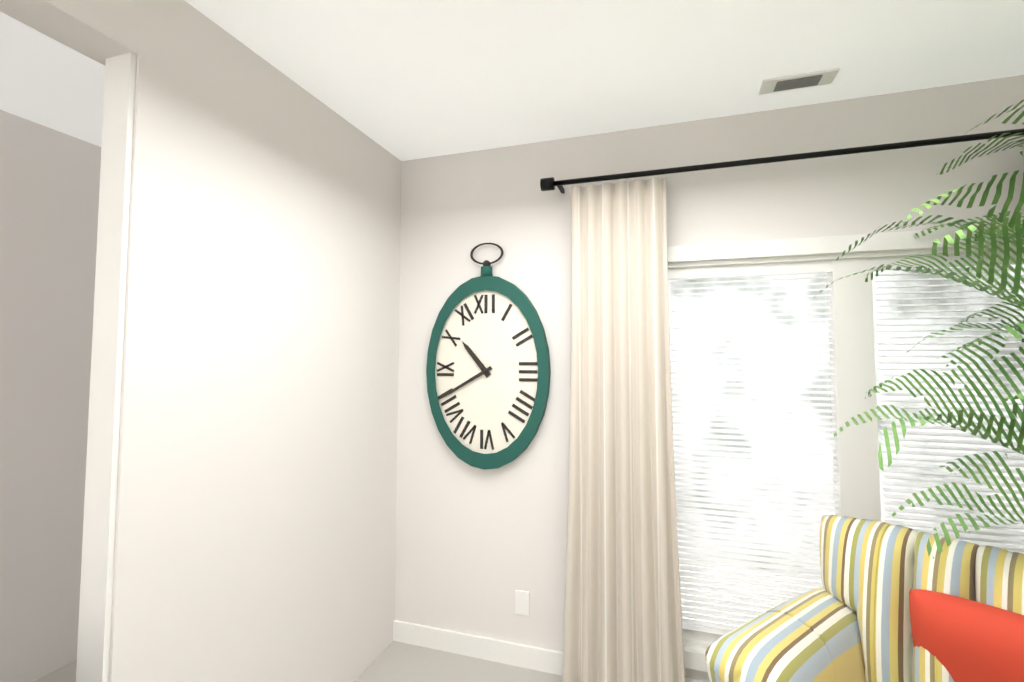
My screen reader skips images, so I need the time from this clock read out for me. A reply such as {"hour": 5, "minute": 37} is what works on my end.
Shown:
{"hour": 10, "minute": 40}
